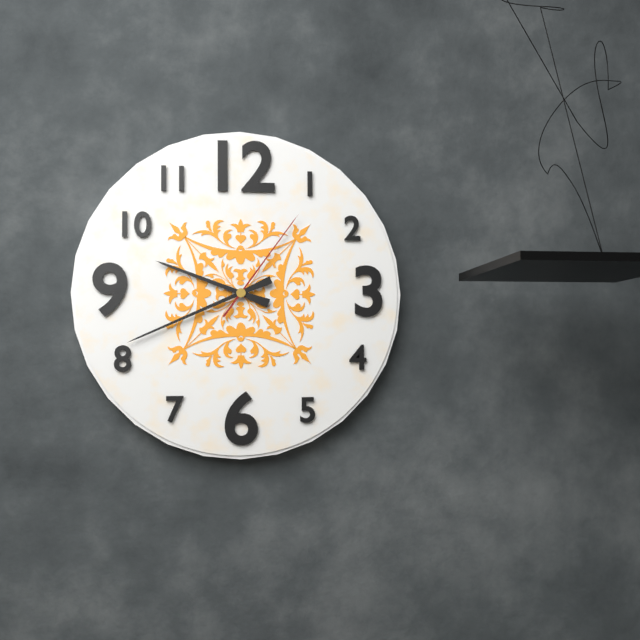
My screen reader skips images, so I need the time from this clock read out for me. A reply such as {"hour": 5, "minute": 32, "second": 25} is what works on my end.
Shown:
{"hour": 9, "minute": 41, "second": 6}
